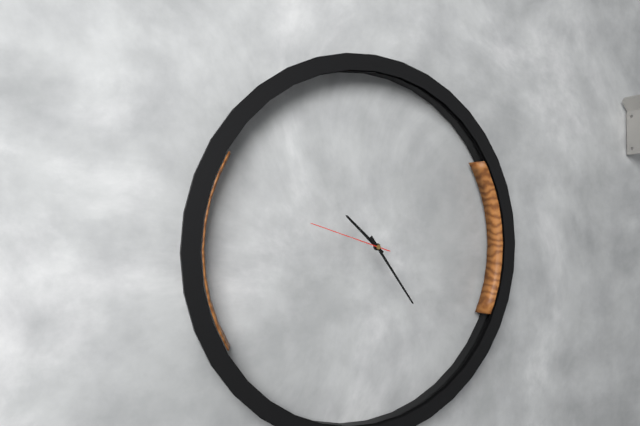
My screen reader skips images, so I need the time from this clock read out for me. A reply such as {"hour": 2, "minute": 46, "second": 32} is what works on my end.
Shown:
{"hour": 10, "minute": 24, "second": 48}
